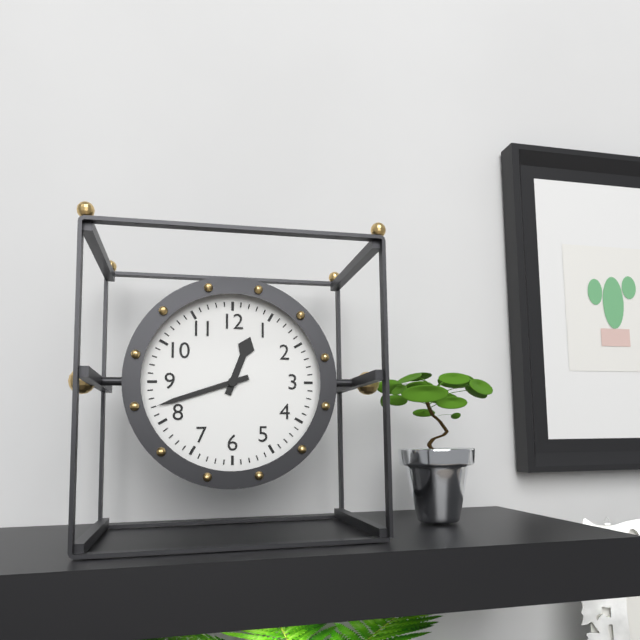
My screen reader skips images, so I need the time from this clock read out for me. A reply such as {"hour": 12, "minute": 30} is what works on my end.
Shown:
{"hour": 12, "minute": 42}
